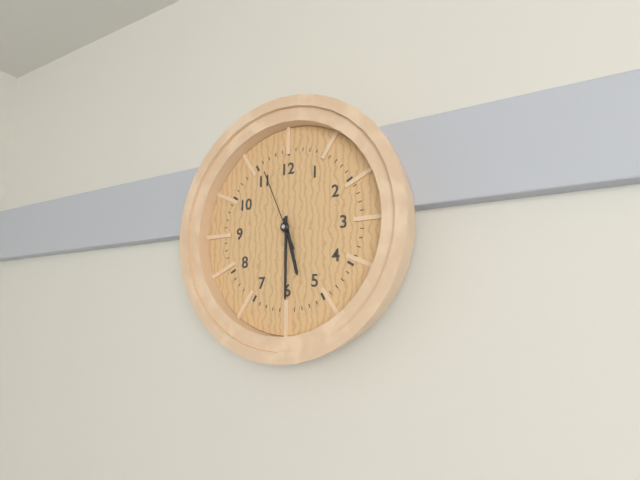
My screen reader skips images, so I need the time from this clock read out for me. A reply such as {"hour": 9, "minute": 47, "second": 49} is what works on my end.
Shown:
{"hour": 5, "minute": 30, "second": 56}
